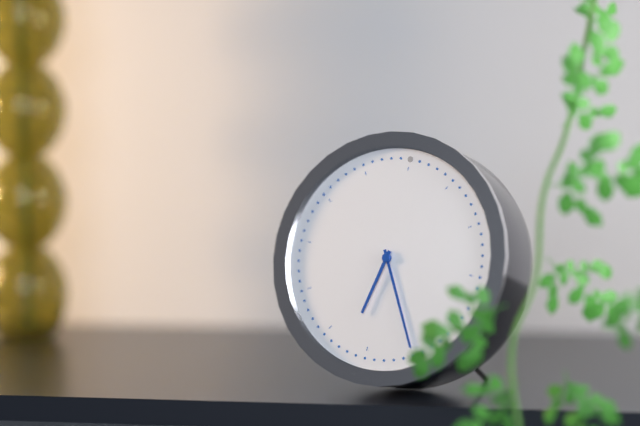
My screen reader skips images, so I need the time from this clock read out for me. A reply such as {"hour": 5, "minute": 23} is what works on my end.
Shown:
{"hour": 6, "minute": 25}
